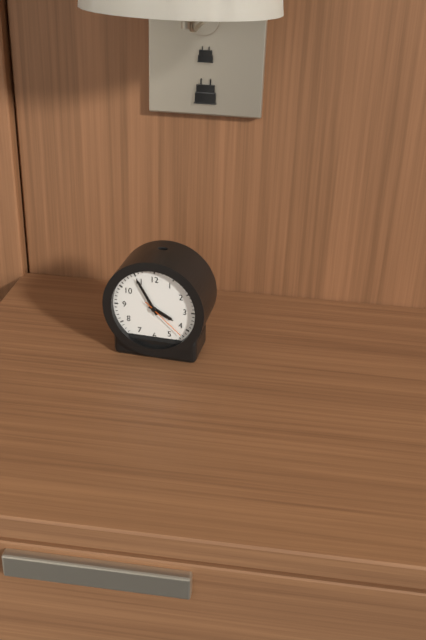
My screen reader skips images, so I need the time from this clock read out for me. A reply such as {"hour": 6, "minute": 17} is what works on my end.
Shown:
{"hour": 3, "minute": 55}
